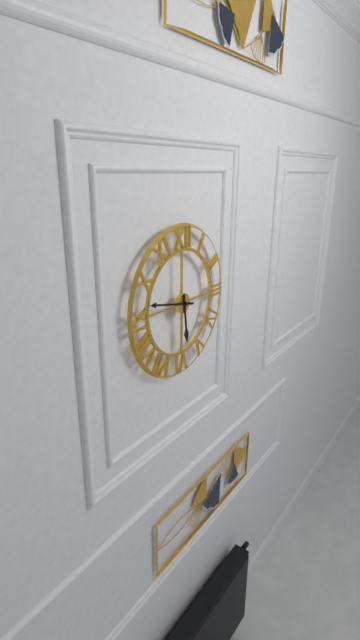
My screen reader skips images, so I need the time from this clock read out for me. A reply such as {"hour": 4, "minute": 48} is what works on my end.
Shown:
{"hour": 5, "minute": 47}
